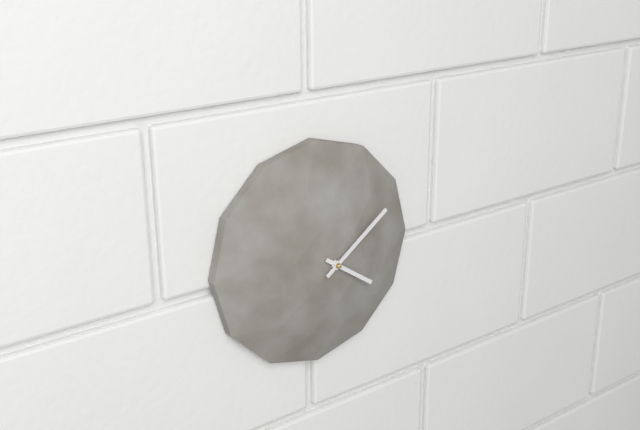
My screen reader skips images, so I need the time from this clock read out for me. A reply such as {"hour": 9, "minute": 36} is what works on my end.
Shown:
{"hour": 4, "minute": 9}
